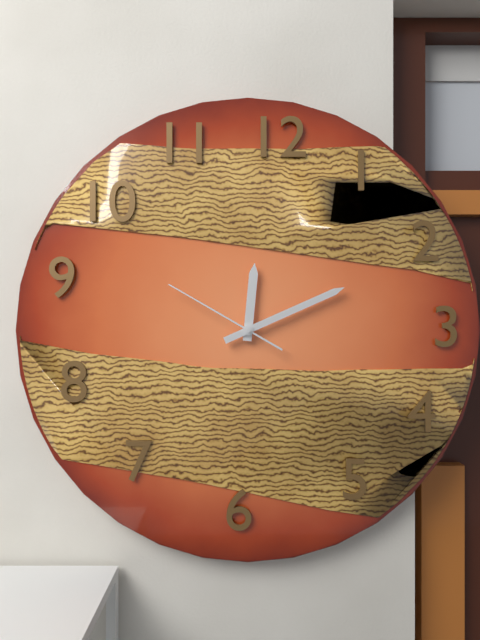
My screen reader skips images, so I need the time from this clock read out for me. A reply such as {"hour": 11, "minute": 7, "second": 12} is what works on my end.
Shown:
{"hour": 12, "minute": 11, "second": 50}
